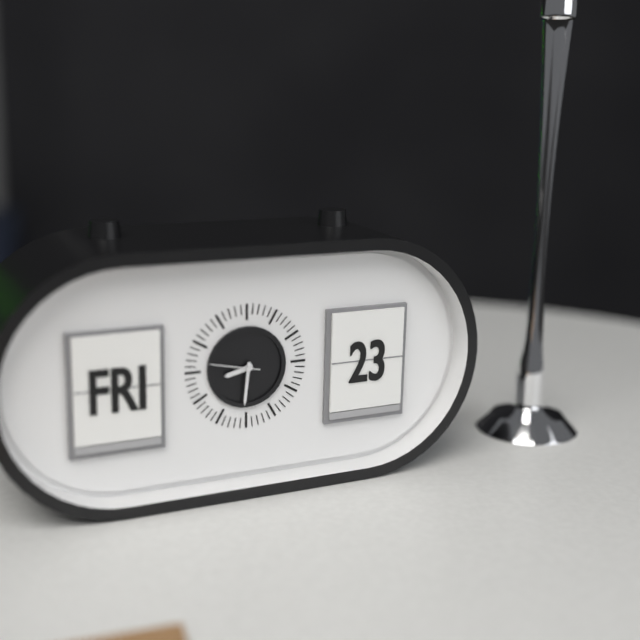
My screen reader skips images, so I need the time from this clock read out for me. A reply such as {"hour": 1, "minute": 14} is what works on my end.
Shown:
{"hour": 8, "minute": 31}
